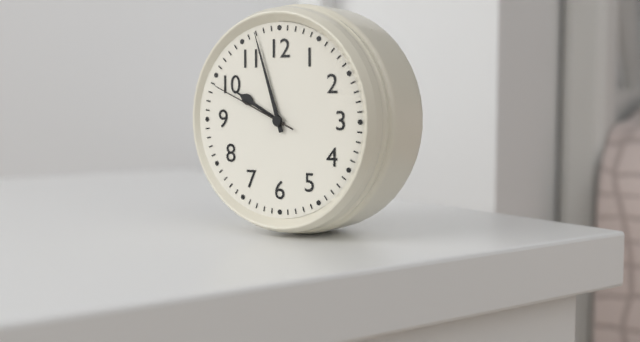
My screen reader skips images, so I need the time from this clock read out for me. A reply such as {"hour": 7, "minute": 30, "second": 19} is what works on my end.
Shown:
{"hour": 9, "minute": 57, "second": 49}
